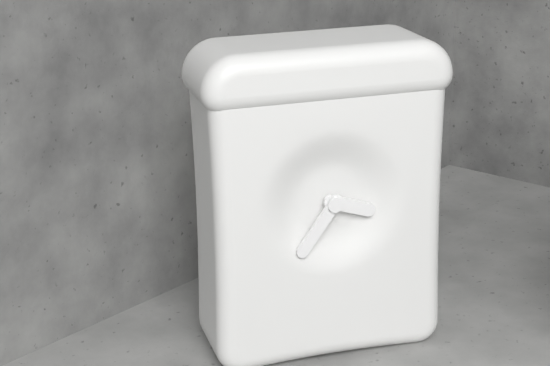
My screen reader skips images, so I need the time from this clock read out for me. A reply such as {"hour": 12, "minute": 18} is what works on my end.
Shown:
{"hour": 3, "minute": 36}
